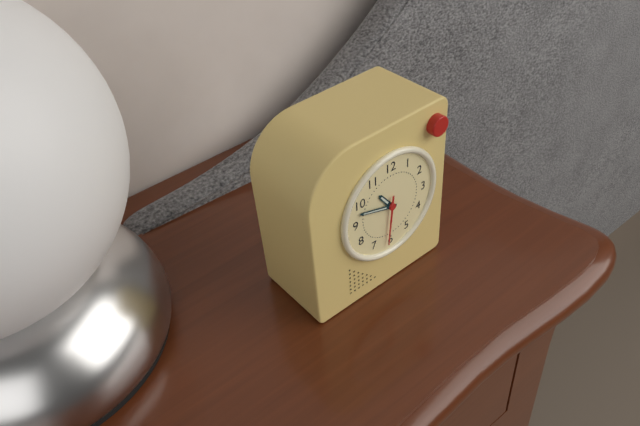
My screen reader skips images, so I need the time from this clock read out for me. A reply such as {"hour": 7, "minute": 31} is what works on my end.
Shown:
{"hour": 10, "minute": 48}
